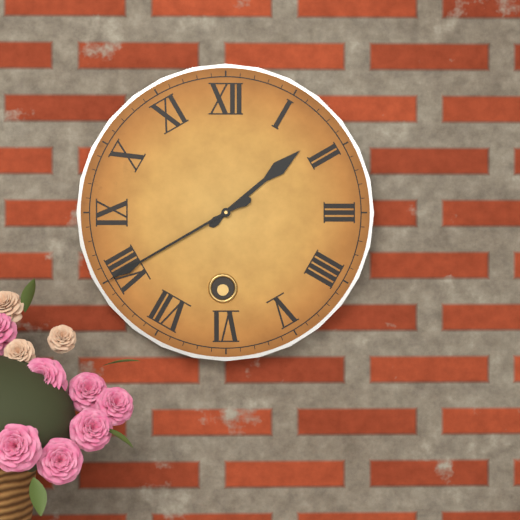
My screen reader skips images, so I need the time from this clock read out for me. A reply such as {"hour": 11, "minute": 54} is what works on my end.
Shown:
{"hour": 1, "minute": 40}
